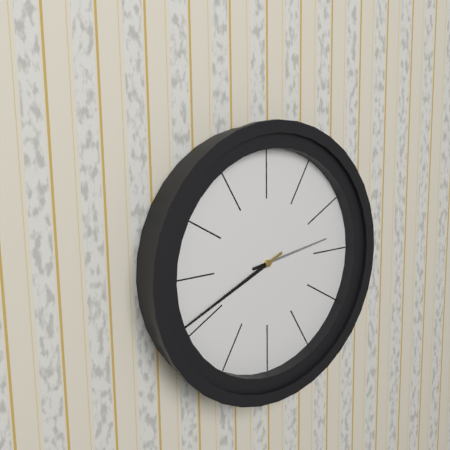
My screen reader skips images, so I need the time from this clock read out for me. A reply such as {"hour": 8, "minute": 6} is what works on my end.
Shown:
{"hour": 2, "minute": 41}
